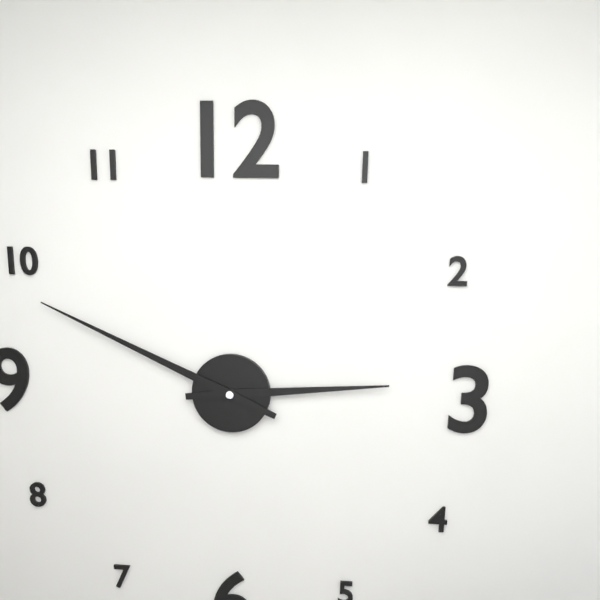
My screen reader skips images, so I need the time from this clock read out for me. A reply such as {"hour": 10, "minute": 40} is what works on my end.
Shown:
{"hour": 2, "minute": 49}
